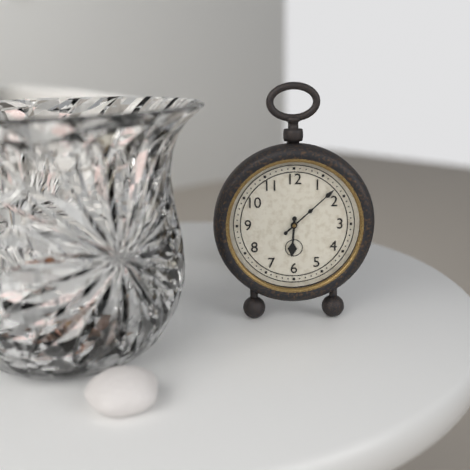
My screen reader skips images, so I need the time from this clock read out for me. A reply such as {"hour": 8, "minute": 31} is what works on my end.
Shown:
{"hour": 6, "minute": 8}
